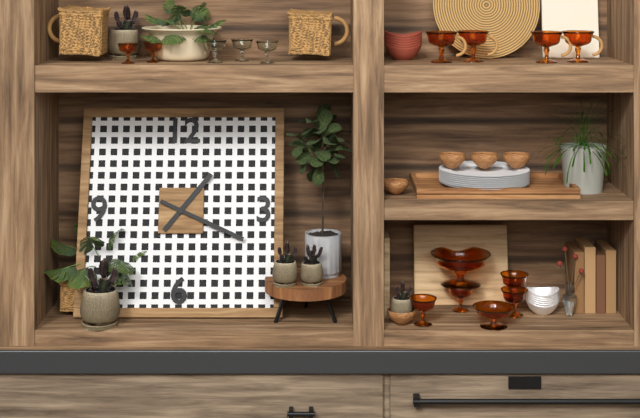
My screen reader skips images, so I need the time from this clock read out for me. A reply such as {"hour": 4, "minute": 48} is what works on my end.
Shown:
{"hour": 1, "minute": 19}
